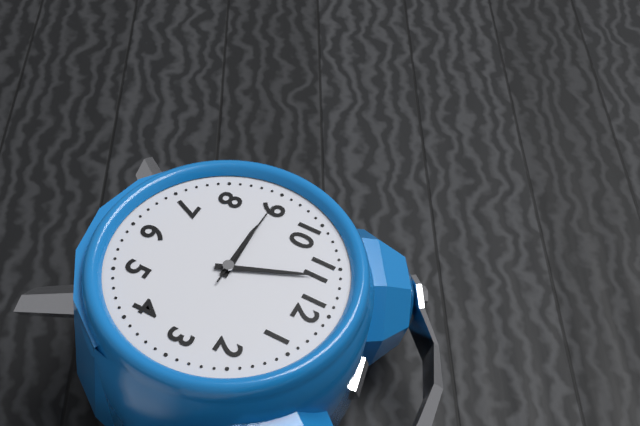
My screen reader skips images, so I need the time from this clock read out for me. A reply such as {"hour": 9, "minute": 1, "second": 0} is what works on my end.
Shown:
{"hour": 8, "minute": 56, "second": 45}
